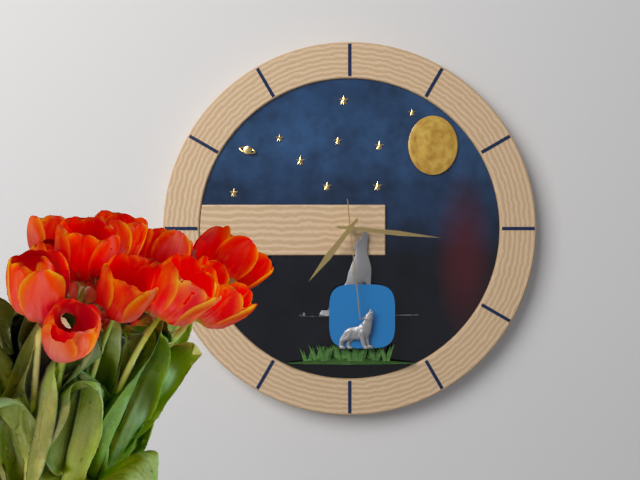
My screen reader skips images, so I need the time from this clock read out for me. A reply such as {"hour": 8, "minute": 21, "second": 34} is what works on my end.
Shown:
{"hour": 7, "minute": 16, "second": 29}
